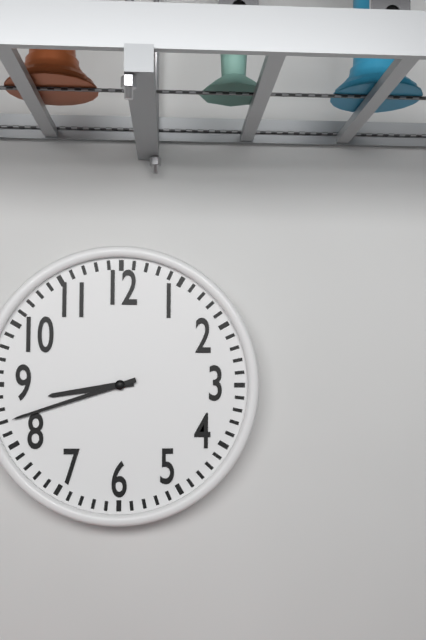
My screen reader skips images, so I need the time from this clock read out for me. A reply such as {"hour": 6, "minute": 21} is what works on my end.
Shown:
{"hour": 8, "minute": 42}
